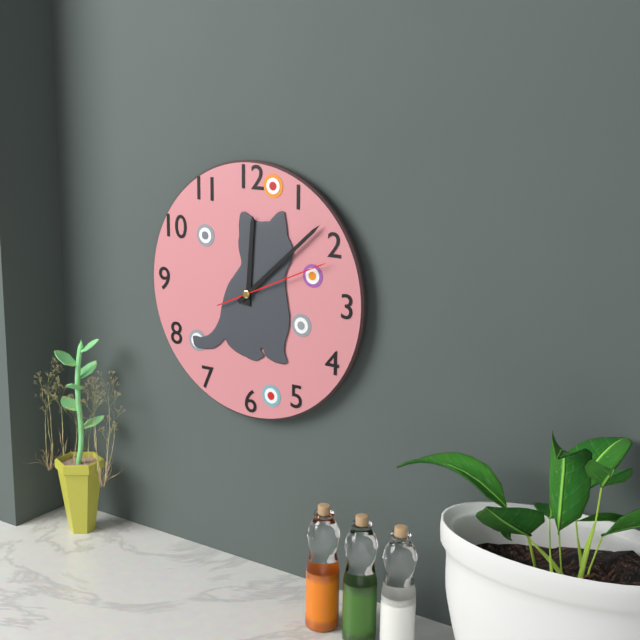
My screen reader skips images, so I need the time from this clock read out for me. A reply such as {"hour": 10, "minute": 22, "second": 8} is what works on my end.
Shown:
{"hour": 12, "minute": 8, "second": 11}
